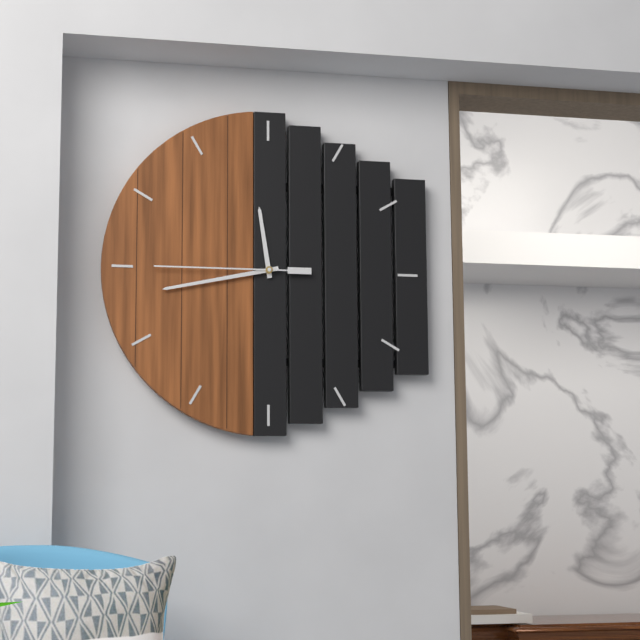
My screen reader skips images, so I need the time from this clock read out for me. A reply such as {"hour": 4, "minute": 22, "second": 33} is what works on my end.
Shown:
{"hour": 11, "minute": 43, "second": 45}
